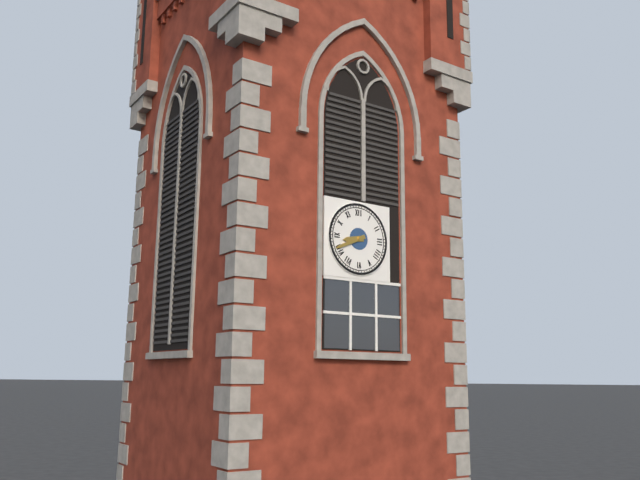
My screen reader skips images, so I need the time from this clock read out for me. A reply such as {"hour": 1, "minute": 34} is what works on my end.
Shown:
{"hour": 8, "minute": 41}
